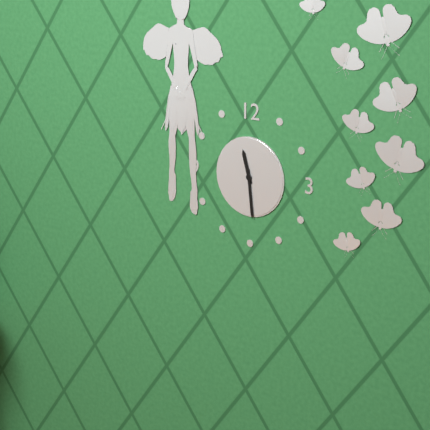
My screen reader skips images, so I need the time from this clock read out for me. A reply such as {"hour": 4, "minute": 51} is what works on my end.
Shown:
{"hour": 11, "minute": 29}
